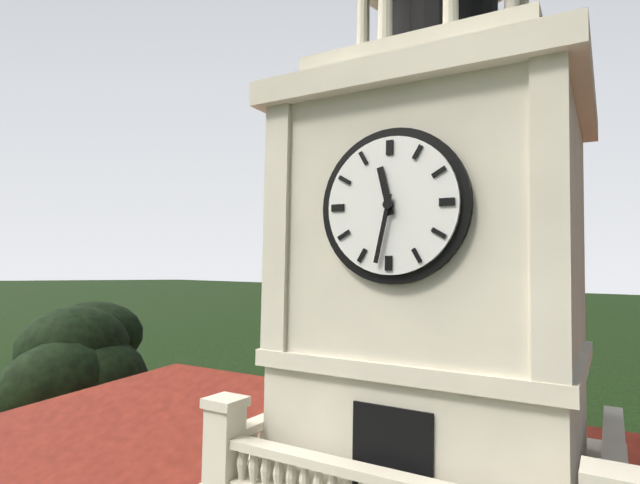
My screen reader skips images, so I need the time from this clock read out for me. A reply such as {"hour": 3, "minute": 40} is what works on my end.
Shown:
{"hour": 11, "minute": 32}
